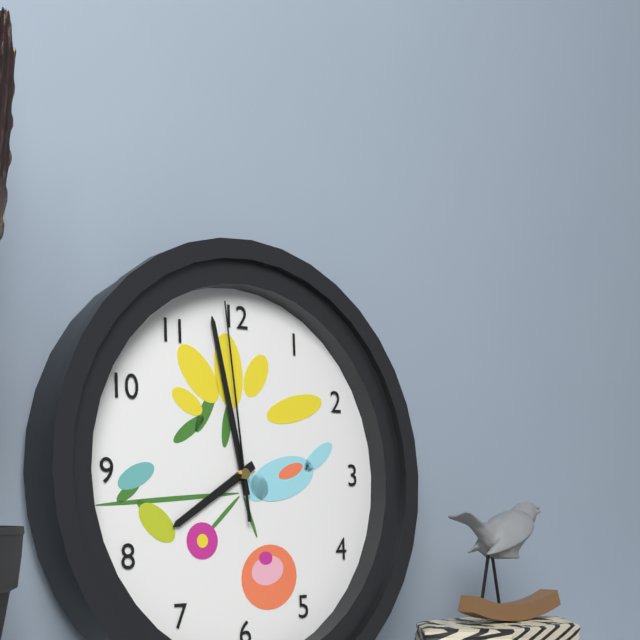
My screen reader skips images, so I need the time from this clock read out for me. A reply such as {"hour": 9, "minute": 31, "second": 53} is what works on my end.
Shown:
{"hour": 7, "minute": 58, "second": 59}
